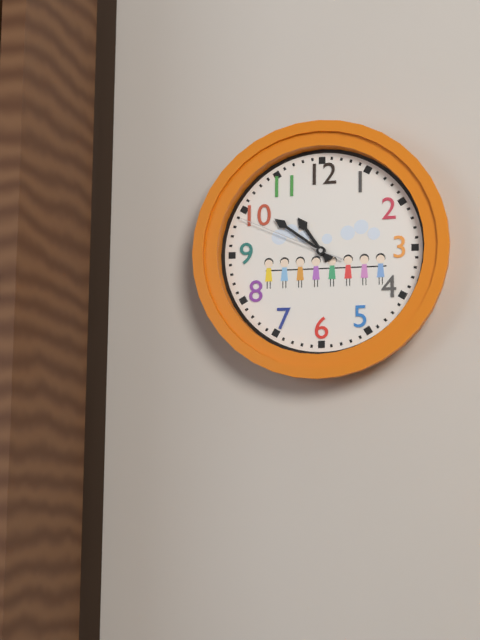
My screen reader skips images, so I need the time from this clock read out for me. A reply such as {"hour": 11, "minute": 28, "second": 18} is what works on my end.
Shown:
{"hour": 10, "minute": 51, "second": 49}
